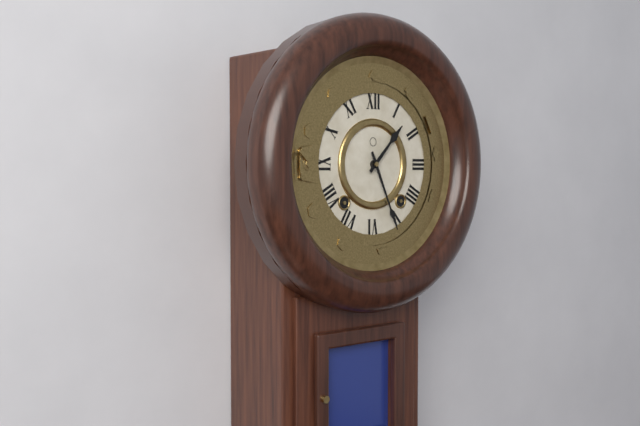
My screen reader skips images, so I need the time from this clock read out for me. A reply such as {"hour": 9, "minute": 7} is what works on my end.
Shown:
{"hour": 1, "minute": 26}
